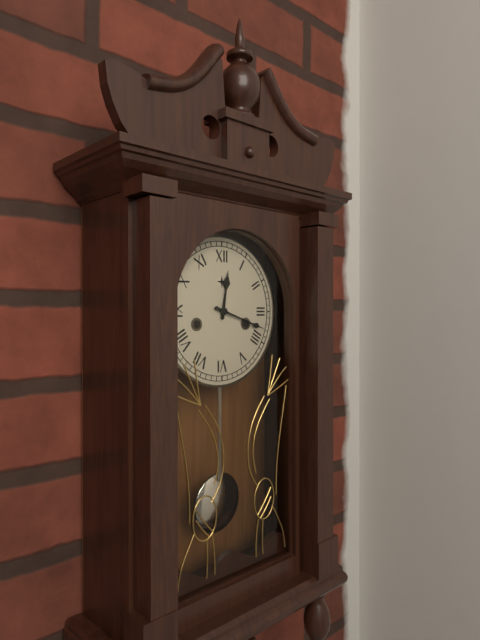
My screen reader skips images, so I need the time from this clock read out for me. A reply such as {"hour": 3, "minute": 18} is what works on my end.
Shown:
{"hour": 12, "minute": 18}
